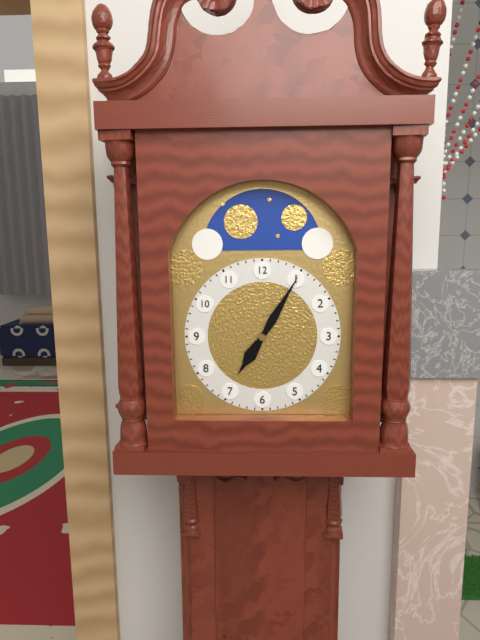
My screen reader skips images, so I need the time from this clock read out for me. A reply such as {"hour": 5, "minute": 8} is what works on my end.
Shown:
{"hour": 7, "minute": 5}
